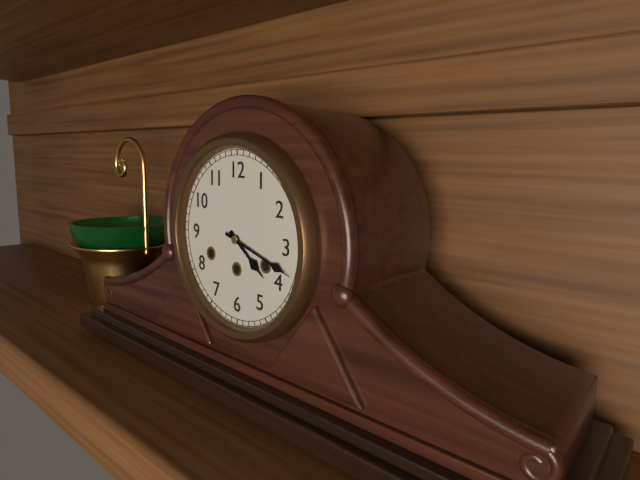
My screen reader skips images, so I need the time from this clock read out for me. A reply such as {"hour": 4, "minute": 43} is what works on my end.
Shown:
{"hour": 4, "minute": 18}
